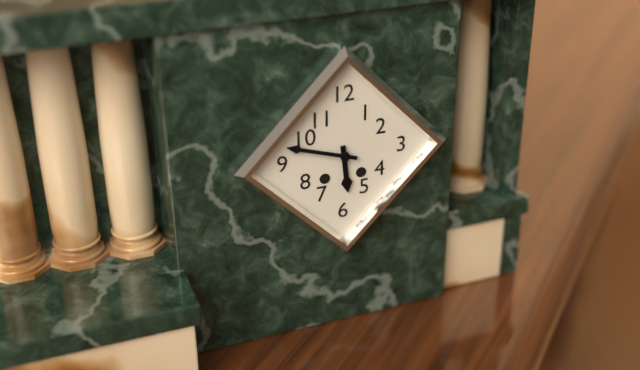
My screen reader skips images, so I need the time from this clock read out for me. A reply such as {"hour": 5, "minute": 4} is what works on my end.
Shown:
{"hour": 5, "minute": 48}
